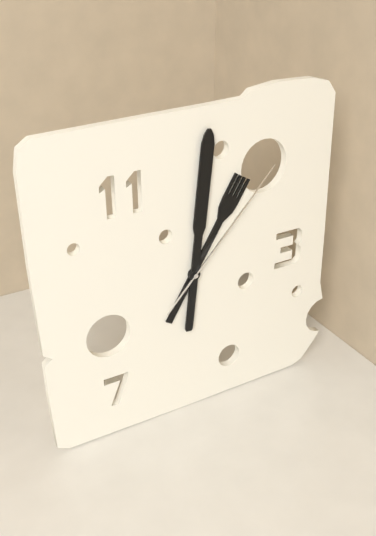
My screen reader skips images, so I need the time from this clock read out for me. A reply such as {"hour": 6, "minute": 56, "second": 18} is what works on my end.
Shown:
{"hour": 1, "minute": 1, "second": 7}
